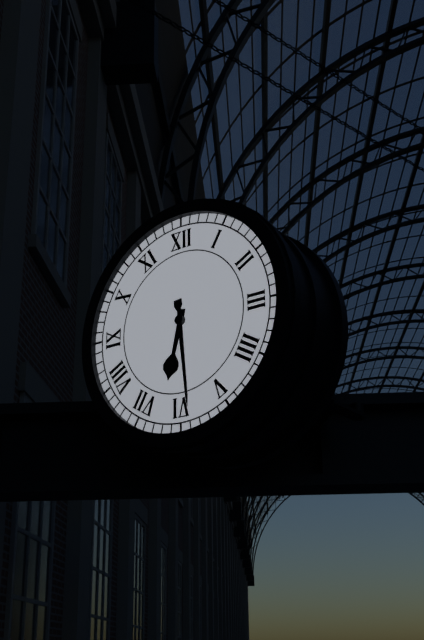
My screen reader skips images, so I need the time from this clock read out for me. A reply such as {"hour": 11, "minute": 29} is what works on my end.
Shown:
{"hour": 6, "minute": 29}
